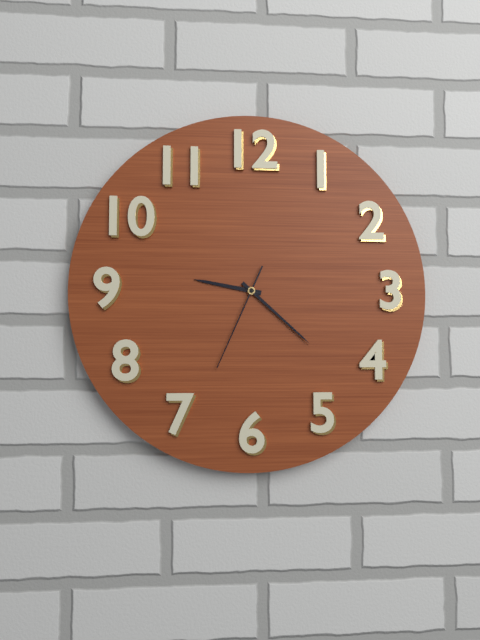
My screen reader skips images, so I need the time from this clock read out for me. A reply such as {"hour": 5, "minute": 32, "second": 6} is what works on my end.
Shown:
{"hour": 9, "minute": 22, "second": 34}
